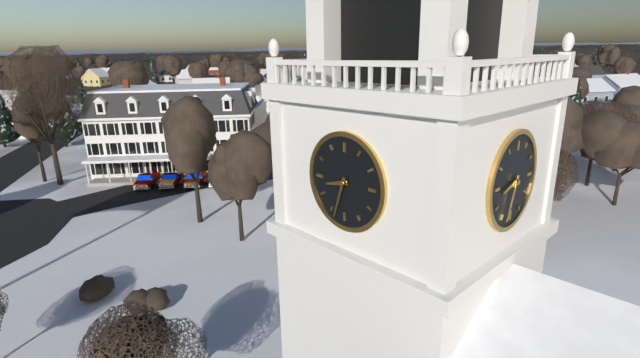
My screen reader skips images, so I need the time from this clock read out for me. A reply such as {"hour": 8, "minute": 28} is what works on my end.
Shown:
{"hour": 8, "minute": 33}
